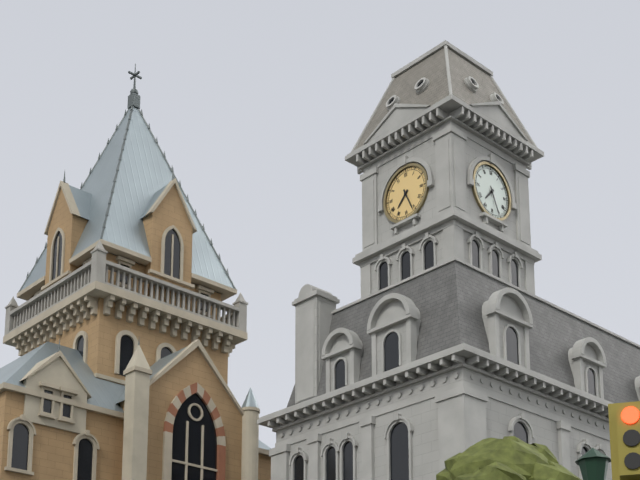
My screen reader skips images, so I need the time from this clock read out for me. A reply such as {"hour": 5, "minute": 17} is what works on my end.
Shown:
{"hour": 7, "minute": 26}
